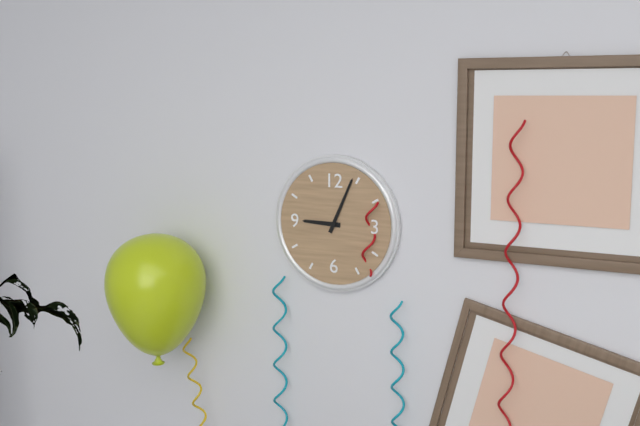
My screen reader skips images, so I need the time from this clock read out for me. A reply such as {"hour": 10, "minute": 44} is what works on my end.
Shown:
{"hour": 9, "minute": 4}
